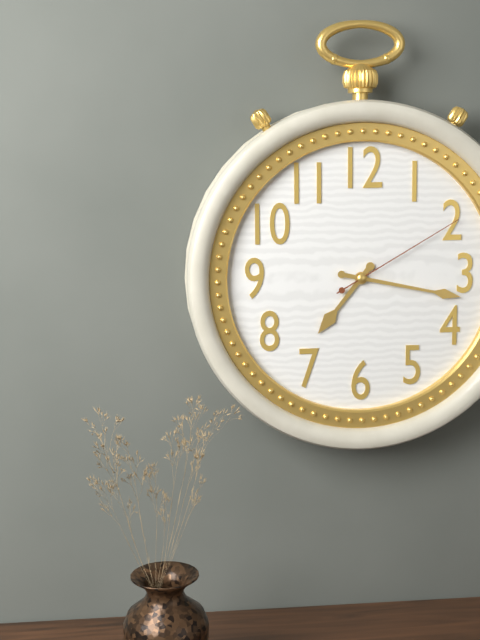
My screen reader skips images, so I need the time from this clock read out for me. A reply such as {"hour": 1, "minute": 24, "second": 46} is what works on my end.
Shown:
{"hour": 7, "minute": 17, "second": 10}
